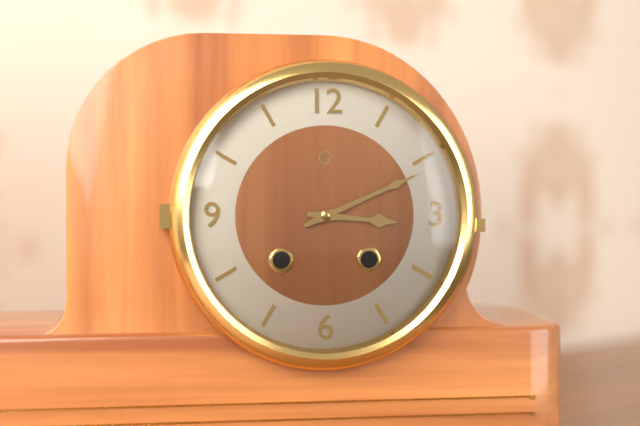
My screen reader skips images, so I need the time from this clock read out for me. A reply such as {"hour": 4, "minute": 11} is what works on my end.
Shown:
{"hour": 3, "minute": 11}
